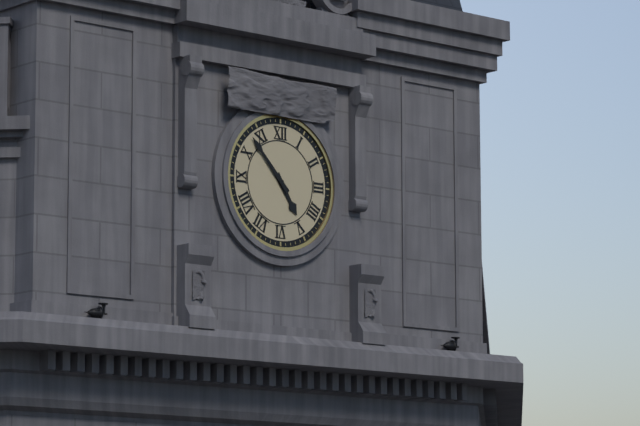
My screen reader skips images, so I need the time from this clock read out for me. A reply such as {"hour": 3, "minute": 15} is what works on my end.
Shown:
{"hour": 4, "minute": 53}
